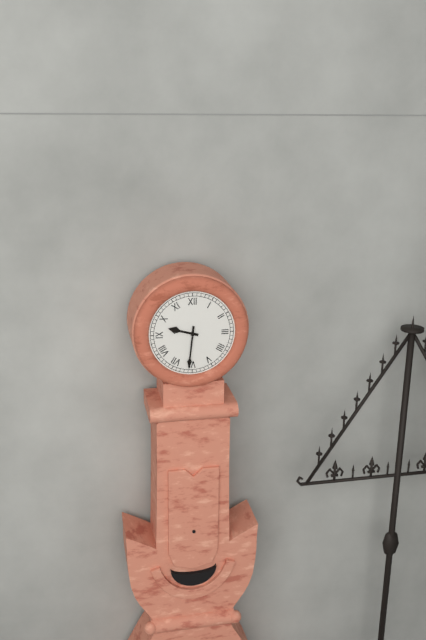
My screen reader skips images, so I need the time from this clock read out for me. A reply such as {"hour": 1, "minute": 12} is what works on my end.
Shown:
{"hour": 9, "minute": 31}
